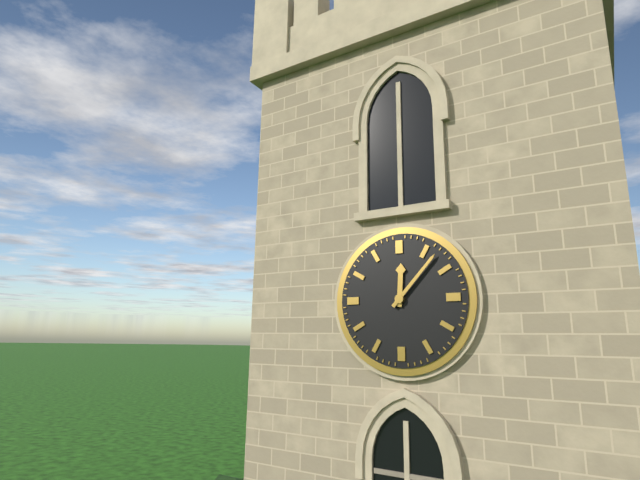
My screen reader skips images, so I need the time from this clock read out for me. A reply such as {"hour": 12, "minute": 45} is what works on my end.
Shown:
{"hour": 12, "minute": 7}
